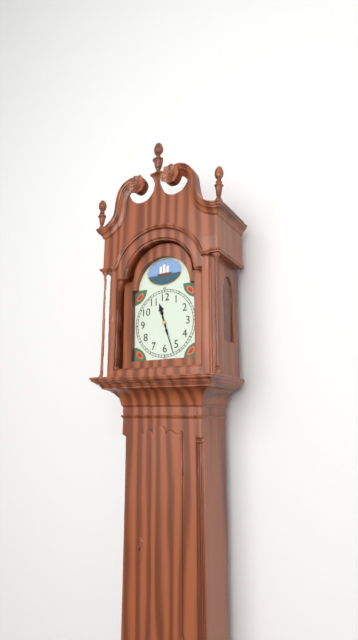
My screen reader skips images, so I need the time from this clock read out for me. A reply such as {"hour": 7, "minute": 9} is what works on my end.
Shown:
{"hour": 11, "minute": 27}
